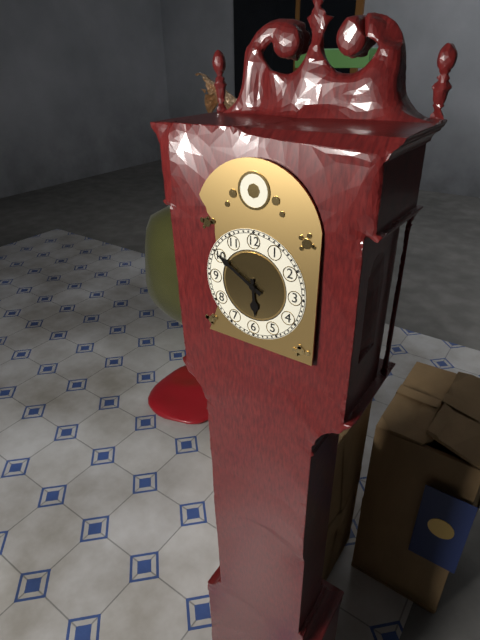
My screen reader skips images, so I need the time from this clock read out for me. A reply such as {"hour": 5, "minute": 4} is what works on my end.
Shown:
{"hour": 5, "minute": 50}
